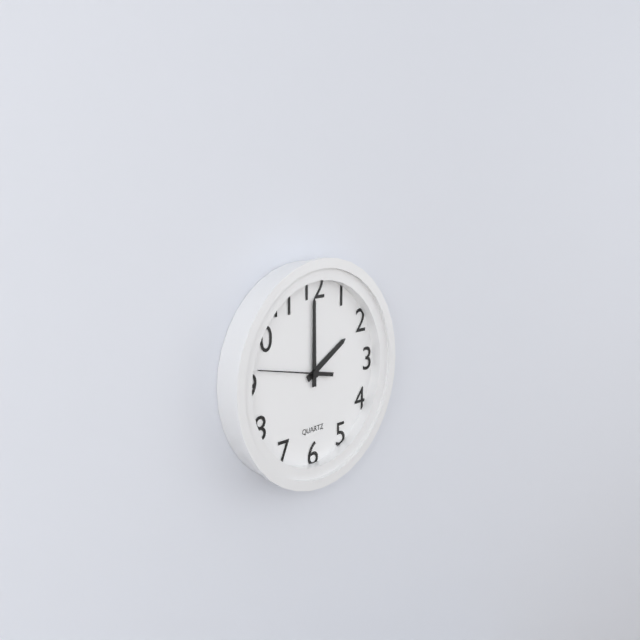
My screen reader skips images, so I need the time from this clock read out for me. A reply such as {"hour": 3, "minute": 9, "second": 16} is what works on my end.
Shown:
{"hour": 2, "minute": 0, "second": 47}
